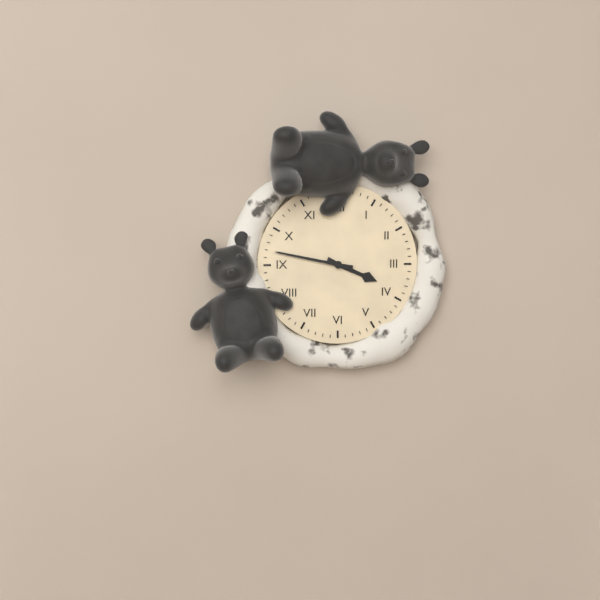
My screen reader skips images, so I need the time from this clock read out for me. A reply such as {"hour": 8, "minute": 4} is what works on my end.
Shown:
{"hour": 3, "minute": 47}
